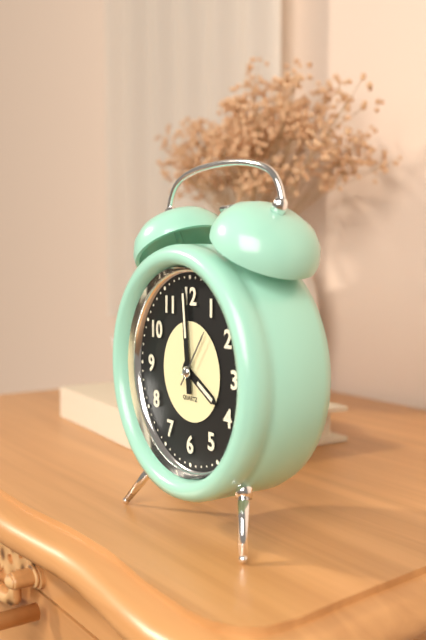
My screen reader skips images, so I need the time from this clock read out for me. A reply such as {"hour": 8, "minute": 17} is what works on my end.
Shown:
{"hour": 3, "minute": 59}
